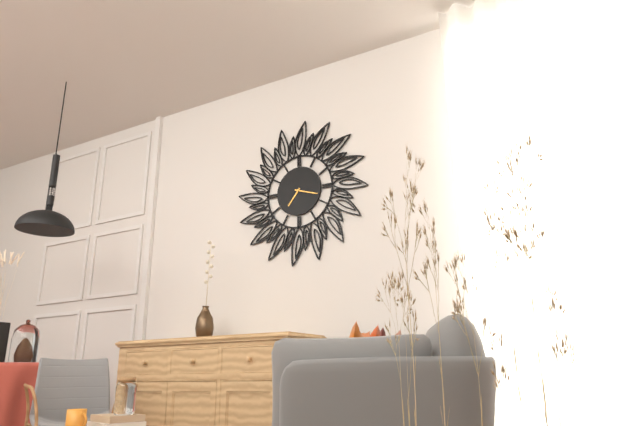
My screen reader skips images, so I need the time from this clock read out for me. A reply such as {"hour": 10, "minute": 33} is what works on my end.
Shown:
{"hour": 7, "minute": 18}
